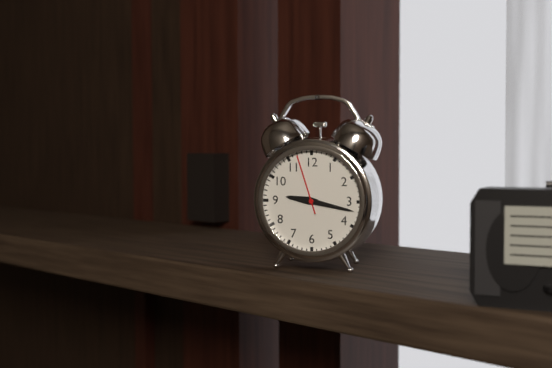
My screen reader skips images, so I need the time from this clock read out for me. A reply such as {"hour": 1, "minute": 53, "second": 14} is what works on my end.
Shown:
{"hour": 9, "minute": 17, "second": 57}
